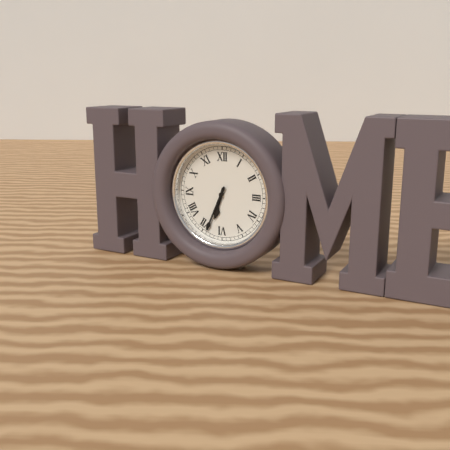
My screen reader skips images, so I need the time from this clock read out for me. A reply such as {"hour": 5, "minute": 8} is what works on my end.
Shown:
{"hour": 6, "minute": 34}
